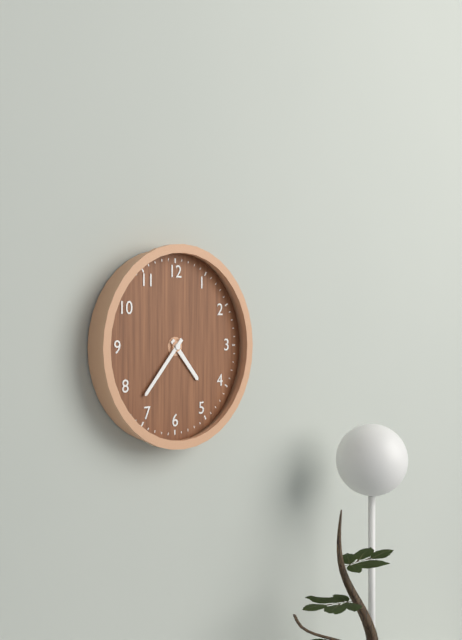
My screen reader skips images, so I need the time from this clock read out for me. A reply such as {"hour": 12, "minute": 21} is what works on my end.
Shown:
{"hour": 4, "minute": 37}
